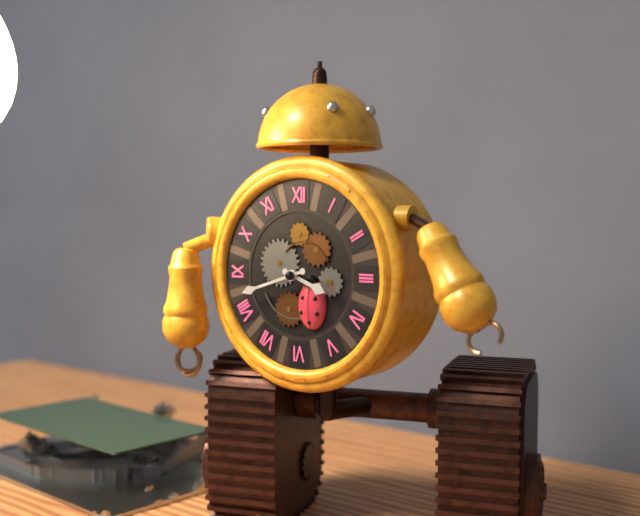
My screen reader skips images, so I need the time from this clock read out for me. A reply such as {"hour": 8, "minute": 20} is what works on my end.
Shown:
{"hour": 3, "minute": 42}
